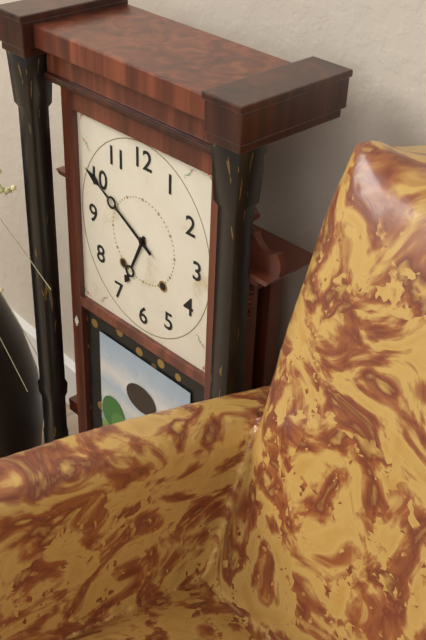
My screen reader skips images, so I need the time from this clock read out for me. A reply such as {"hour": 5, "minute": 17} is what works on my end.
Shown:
{"hour": 6, "minute": 50}
